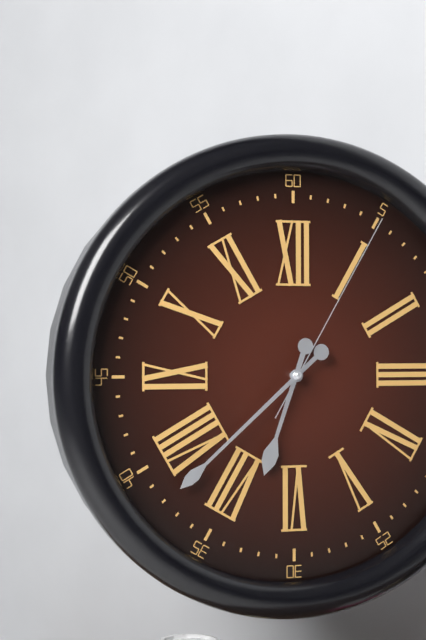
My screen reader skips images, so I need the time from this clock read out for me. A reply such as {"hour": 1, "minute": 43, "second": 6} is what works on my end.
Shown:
{"hour": 6, "minute": 38, "second": 5}
